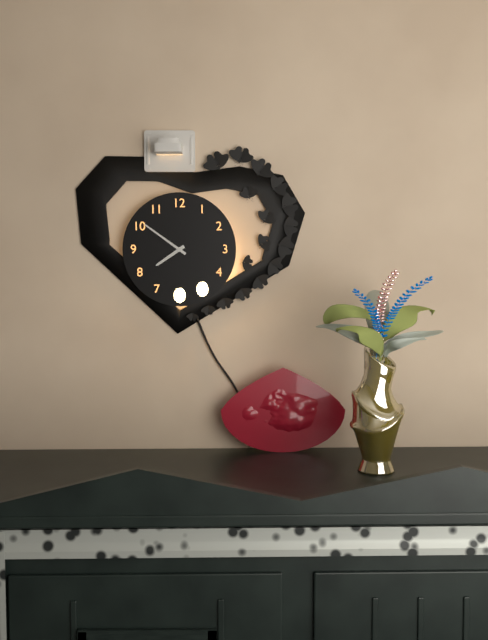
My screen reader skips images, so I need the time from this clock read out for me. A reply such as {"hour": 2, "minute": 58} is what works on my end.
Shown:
{"hour": 7, "minute": 51}
